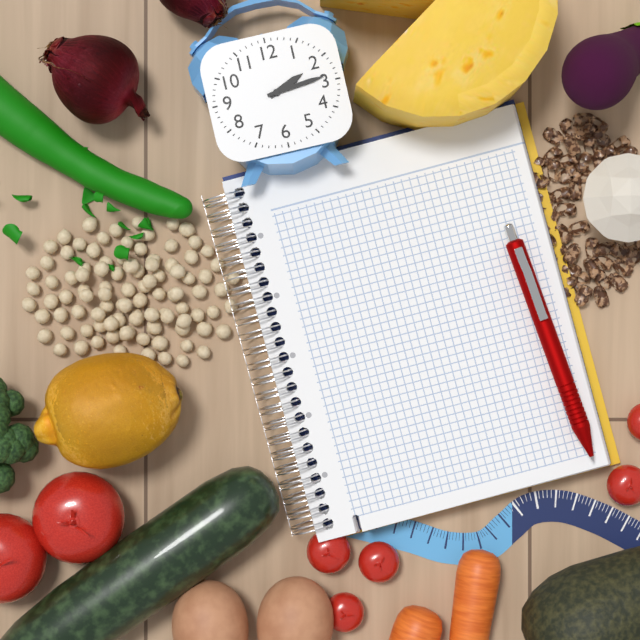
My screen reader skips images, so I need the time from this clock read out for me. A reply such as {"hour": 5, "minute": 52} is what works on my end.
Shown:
{"hour": 2, "minute": 14}
